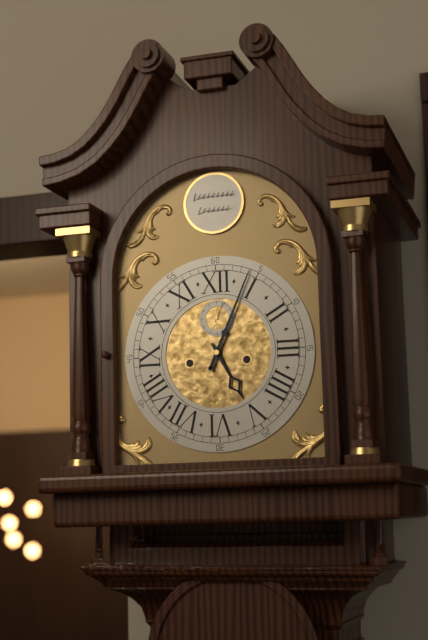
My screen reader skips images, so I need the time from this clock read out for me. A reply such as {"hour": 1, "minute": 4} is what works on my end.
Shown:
{"hour": 5, "minute": 4}
